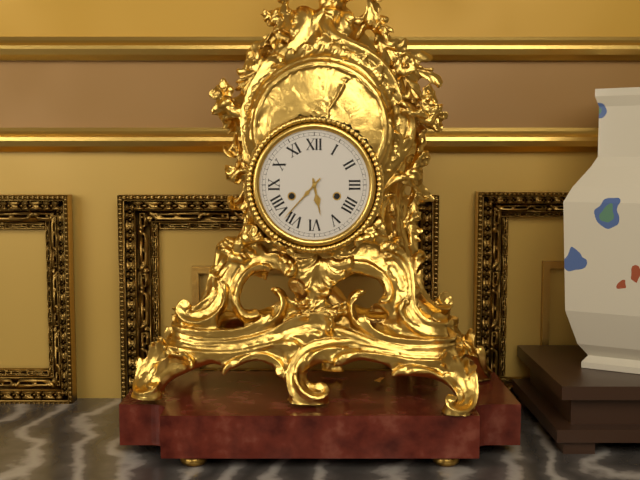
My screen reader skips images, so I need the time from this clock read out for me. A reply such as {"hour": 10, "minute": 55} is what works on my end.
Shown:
{"hour": 5, "minute": 37}
